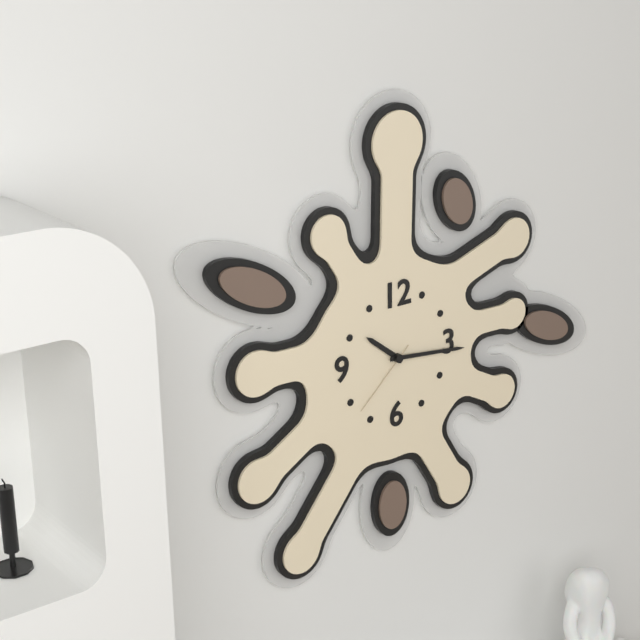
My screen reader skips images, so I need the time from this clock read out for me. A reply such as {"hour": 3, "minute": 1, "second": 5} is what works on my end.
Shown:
{"hour": 10, "minute": 16, "second": 38}
